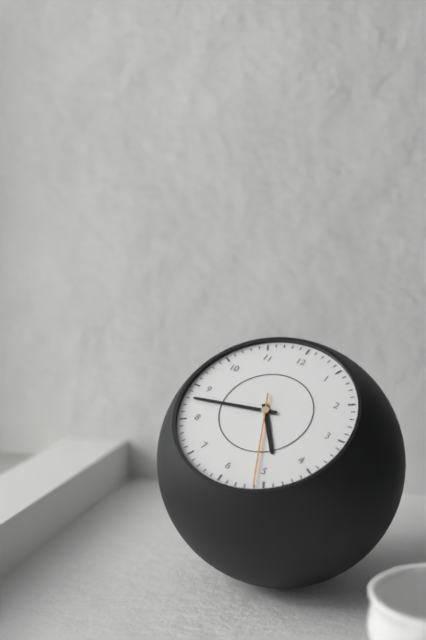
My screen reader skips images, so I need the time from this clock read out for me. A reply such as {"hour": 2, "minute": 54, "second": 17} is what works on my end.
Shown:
{"hour": 4, "minute": 43, "second": 26}
